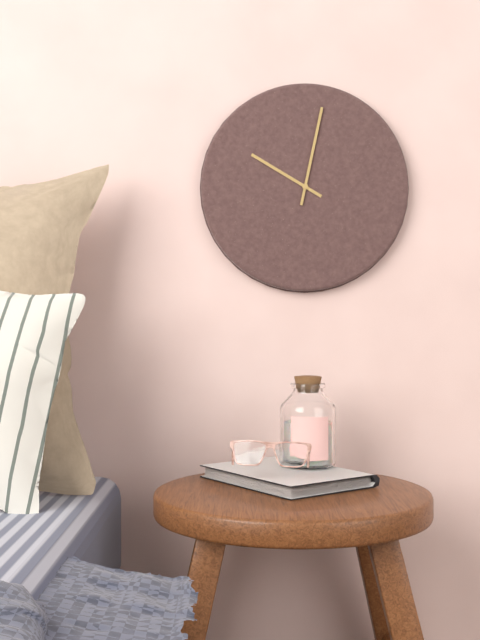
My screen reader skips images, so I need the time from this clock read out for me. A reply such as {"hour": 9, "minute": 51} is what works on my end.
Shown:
{"hour": 10, "minute": 2}
